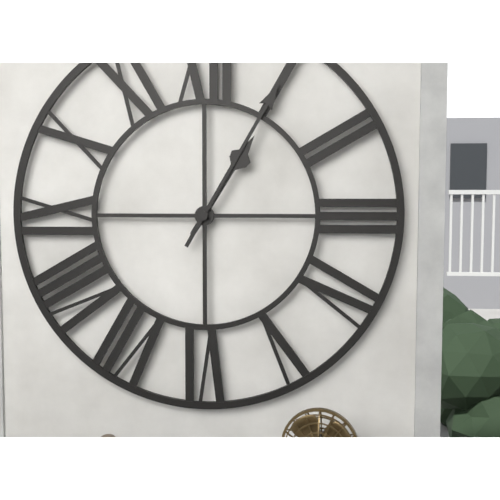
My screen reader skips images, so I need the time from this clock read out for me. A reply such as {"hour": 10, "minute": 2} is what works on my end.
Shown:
{"hour": 1, "minute": 5}
